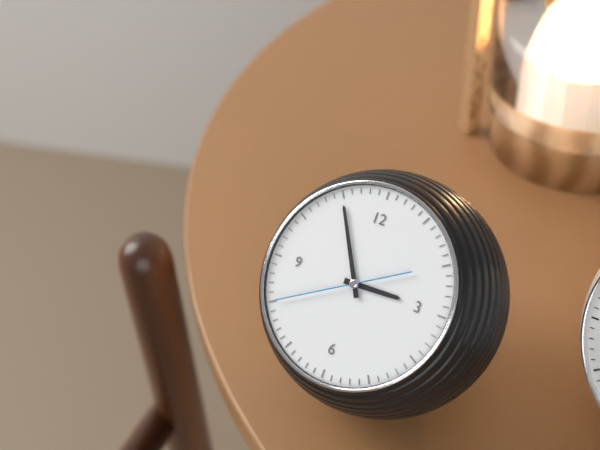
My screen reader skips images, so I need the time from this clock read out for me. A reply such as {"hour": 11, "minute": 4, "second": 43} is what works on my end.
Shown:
{"hour": 2, "minute": 55, "second": 40}
